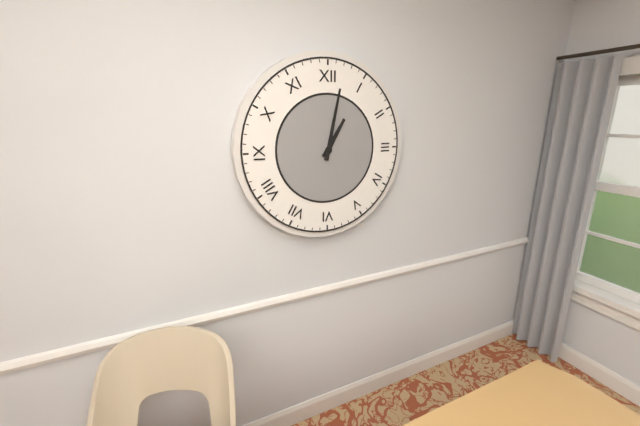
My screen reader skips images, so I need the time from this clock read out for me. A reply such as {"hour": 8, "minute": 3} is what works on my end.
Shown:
{"hour": 1, "minute": 2}
